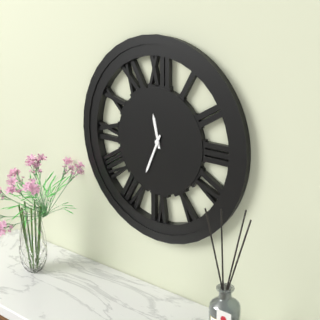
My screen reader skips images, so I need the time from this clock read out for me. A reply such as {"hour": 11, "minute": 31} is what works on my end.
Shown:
{"hour": 11, "minute": 34}
